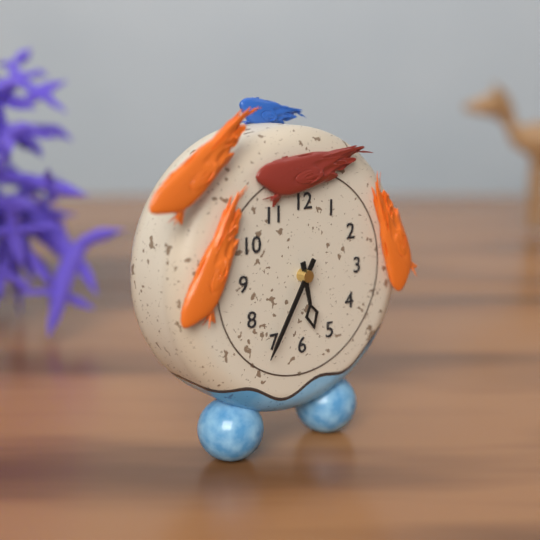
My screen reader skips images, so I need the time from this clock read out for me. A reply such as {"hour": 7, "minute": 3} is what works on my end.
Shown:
{"hour": 5, "minute": 35}
